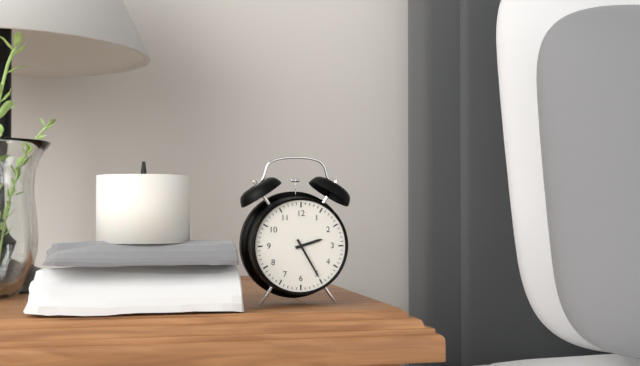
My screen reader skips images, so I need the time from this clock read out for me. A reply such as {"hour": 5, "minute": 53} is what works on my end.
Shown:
{"hour": 2, "minute": 25}
